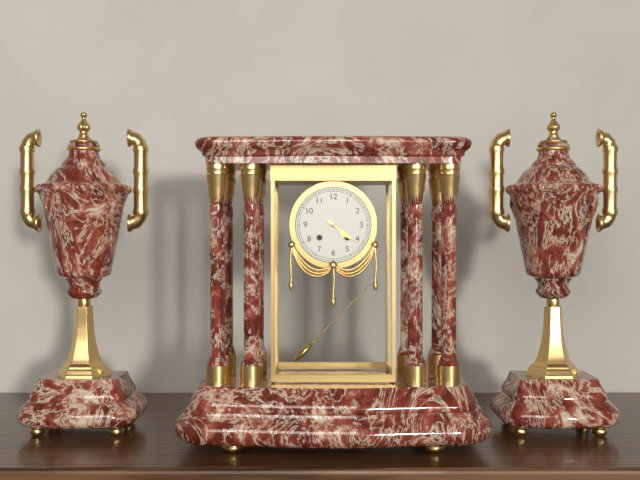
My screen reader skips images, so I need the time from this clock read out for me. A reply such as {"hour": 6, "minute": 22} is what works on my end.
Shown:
{"hour": 4, "minute": 21}
